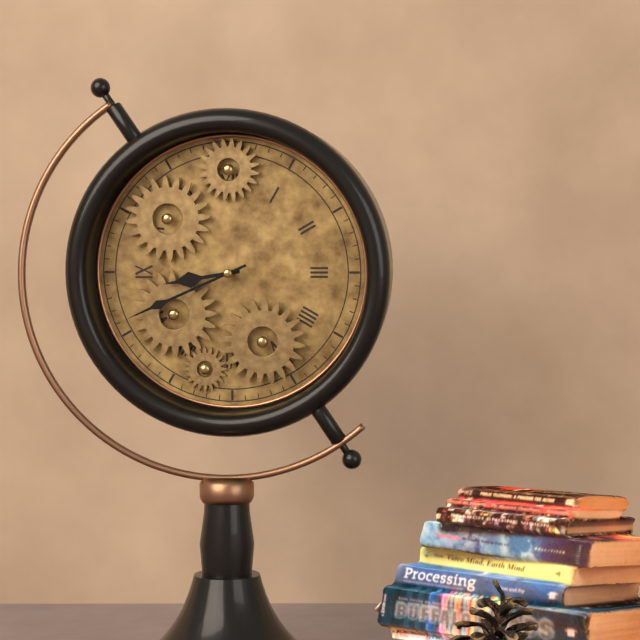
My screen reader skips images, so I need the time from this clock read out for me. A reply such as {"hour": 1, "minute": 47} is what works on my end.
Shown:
{"hour": 8, "minute": 41}
